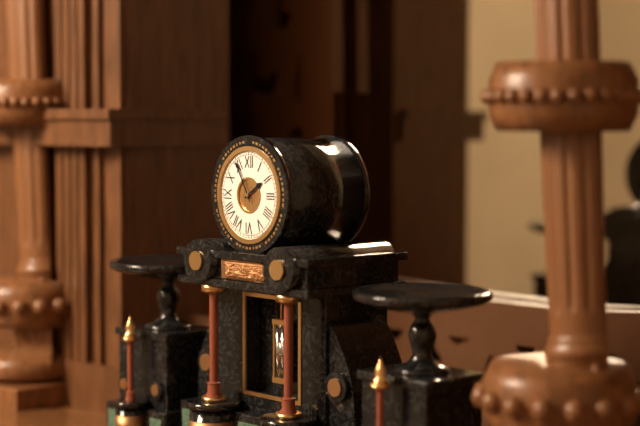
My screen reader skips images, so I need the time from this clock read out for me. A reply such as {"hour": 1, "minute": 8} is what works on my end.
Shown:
{"hour": 1, "minute": 55}
